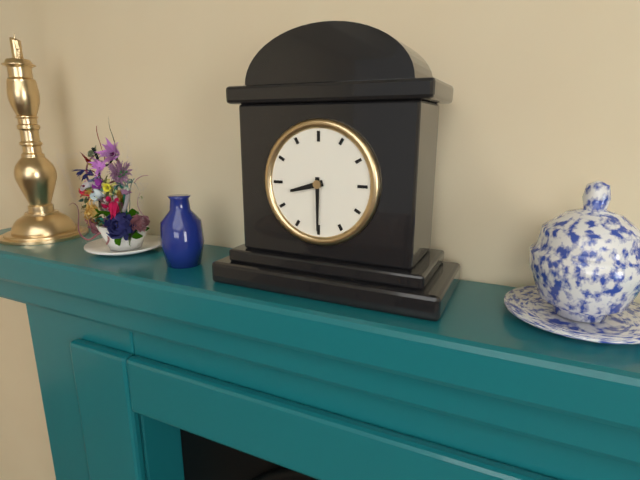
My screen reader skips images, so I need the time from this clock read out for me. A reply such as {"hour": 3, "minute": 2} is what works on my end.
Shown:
{"hour": 8, "minute": 30}
